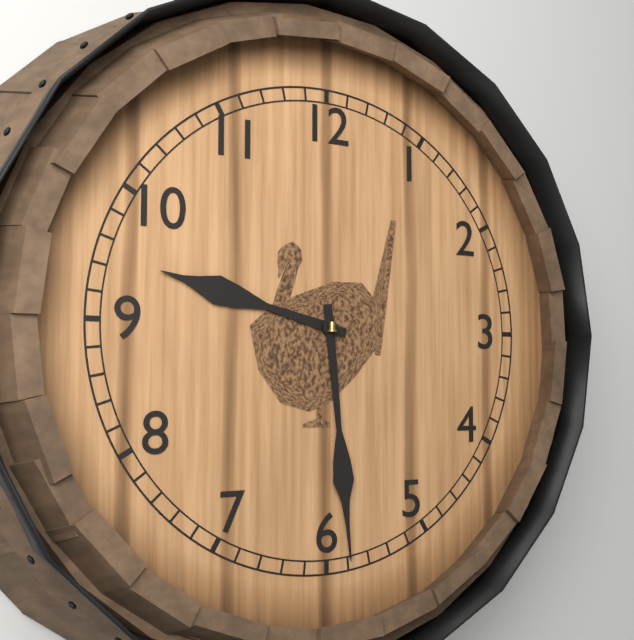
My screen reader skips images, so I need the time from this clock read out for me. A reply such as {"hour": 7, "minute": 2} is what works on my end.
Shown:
{"hour": 9, "minute": 29}
